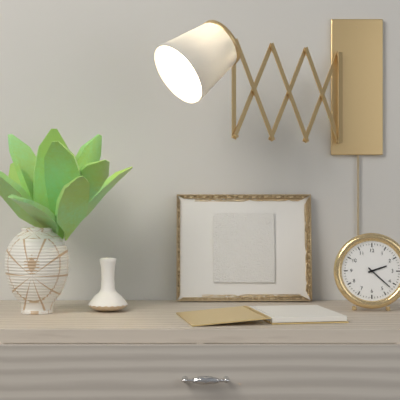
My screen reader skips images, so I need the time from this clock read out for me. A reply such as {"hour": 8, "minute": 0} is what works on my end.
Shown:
{"hour": 2, "minute": 22}
